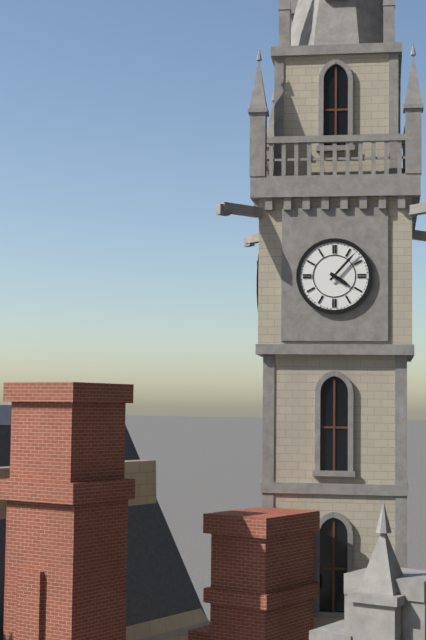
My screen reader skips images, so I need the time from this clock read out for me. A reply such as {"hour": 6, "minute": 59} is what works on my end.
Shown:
{"hour": 4, "minute": 7}
